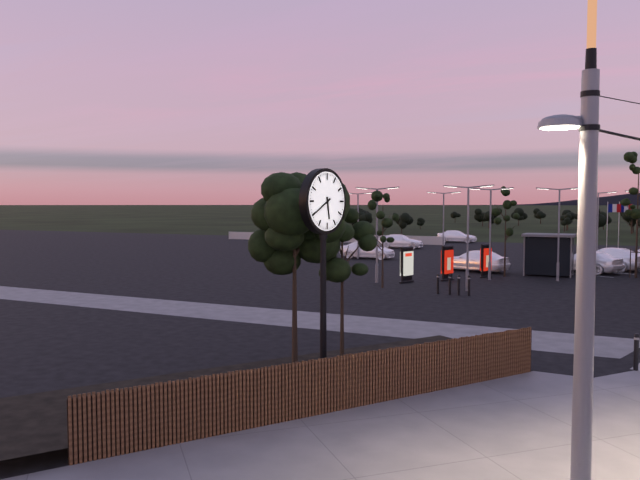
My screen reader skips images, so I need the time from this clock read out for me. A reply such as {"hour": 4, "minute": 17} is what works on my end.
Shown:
{"hour": 5, "minute": 40}
